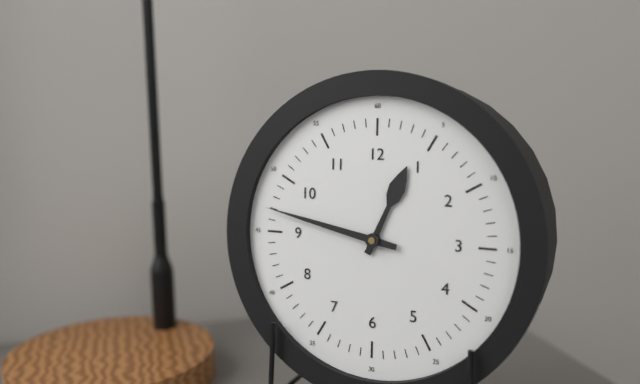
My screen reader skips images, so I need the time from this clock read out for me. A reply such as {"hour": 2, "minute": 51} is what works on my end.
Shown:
{"hour": 12, "minute": 47}
